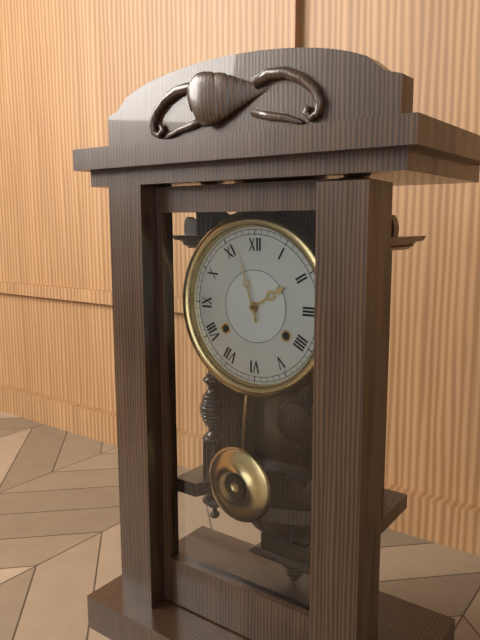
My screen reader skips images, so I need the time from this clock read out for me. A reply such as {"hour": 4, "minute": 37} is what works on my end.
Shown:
{"hour": 1, "minute": 57}
